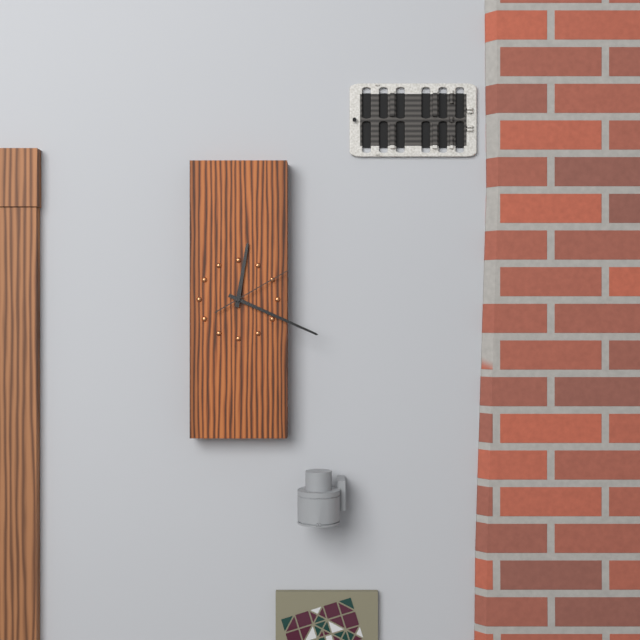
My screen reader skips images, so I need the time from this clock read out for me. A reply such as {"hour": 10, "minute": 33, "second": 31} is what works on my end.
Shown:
{"hour": 12, "minute": 19, "second": 10}
